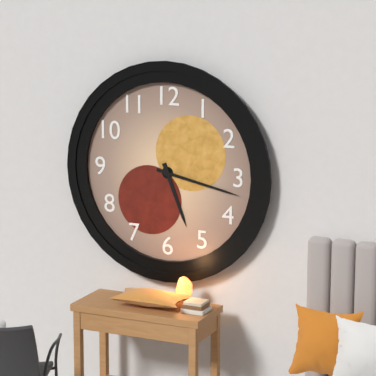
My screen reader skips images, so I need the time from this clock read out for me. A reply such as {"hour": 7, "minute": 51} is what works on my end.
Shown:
{"hour": 5, "minute": 17}
